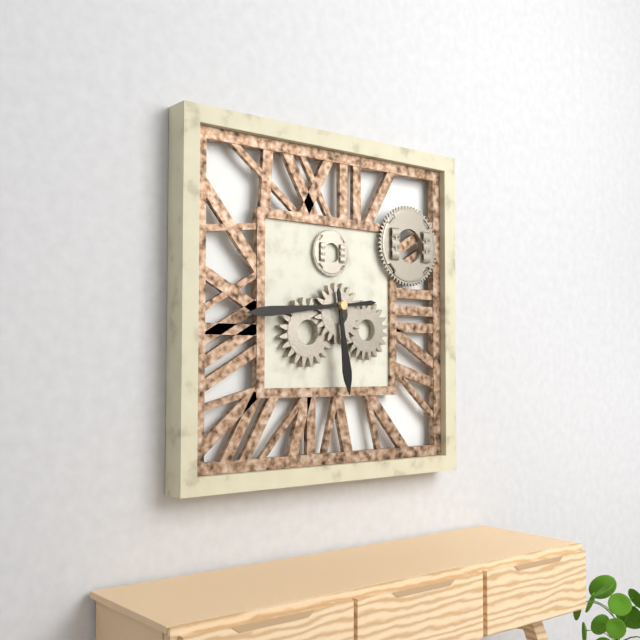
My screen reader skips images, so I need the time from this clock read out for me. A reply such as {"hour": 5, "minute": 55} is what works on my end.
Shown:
{"hour": 5, "minute": 44}
